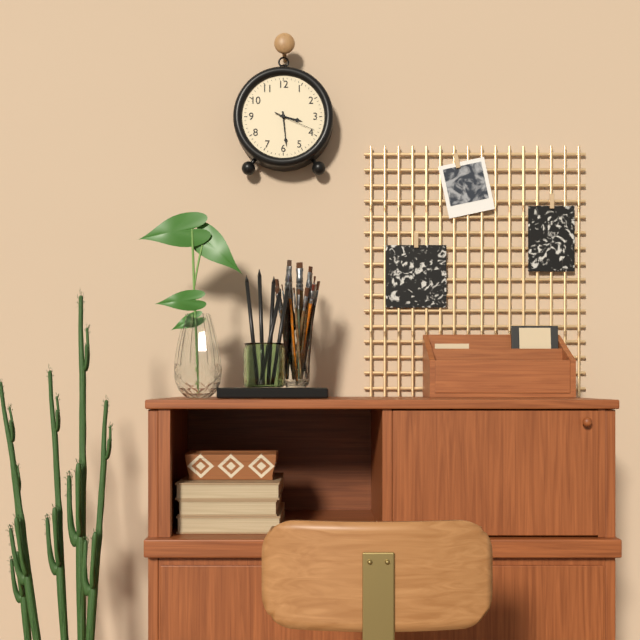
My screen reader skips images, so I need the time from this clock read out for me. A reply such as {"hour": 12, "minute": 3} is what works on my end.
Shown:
{"hour": 3, "minute": 29}
